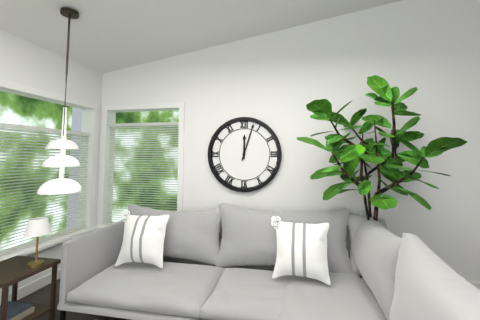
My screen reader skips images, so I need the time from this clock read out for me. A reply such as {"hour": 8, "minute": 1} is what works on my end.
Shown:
{"hour": 12, "minute": 3}
